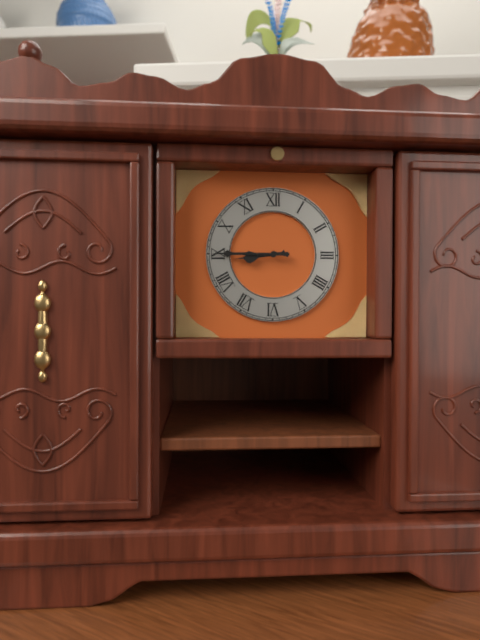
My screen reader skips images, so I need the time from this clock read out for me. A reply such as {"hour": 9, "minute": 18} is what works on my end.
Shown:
{"hour": 8, "minute": 45}
